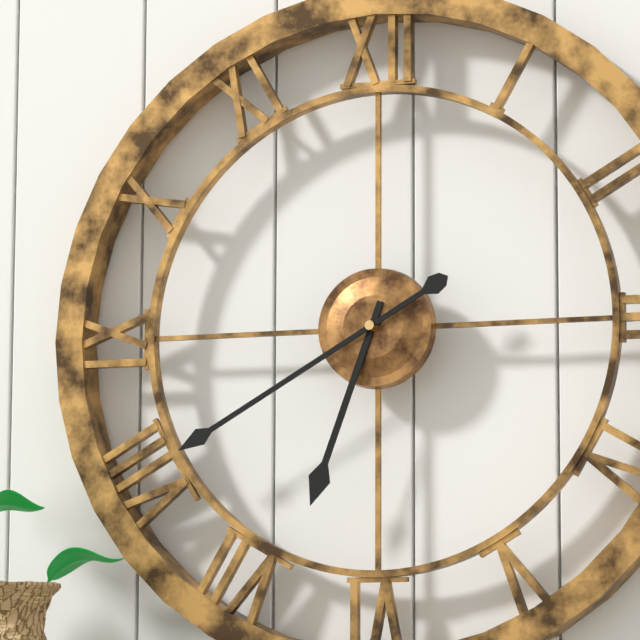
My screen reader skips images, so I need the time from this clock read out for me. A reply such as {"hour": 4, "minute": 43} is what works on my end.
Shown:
{"hour": 6, "minute": 40}
